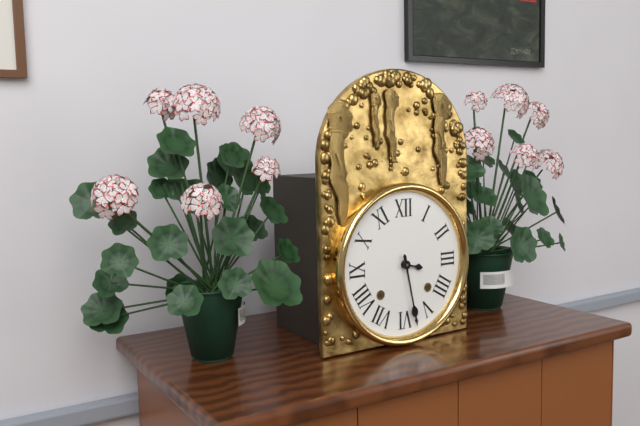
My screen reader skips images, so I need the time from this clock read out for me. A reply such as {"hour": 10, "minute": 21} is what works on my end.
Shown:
{"hour": 3, "minute": 28}
